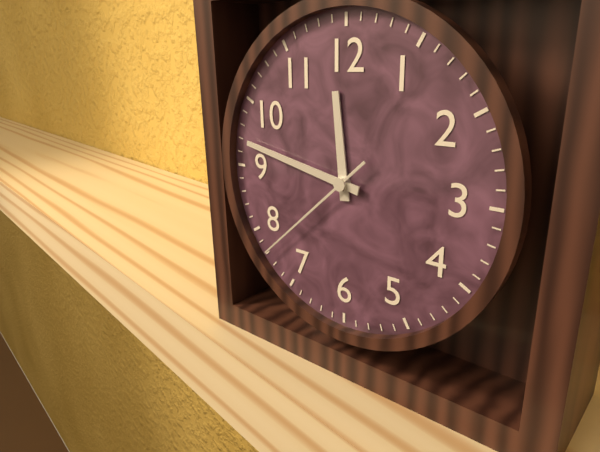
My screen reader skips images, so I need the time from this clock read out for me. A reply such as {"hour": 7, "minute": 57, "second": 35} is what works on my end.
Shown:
{"hour": 11, "minute": 47, "second": 38}
